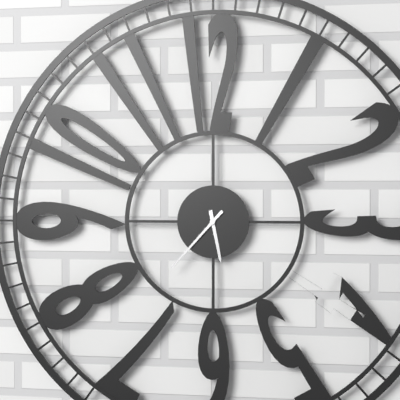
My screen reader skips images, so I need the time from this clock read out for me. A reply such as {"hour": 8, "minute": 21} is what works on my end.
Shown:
{"hour": 5, "minute": 37}
